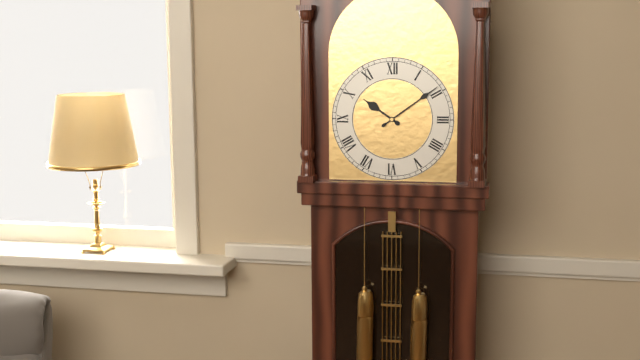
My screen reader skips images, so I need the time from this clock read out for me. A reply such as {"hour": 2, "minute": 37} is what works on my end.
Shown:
{"hour": 10, "minute": 9}
